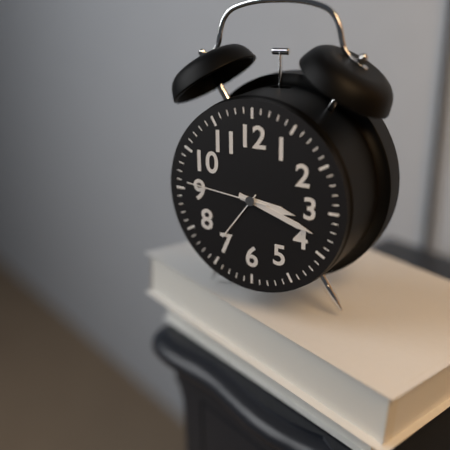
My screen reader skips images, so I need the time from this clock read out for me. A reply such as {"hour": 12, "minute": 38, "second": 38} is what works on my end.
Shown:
{"hour": 3, "minute": 18, "second": 46}
